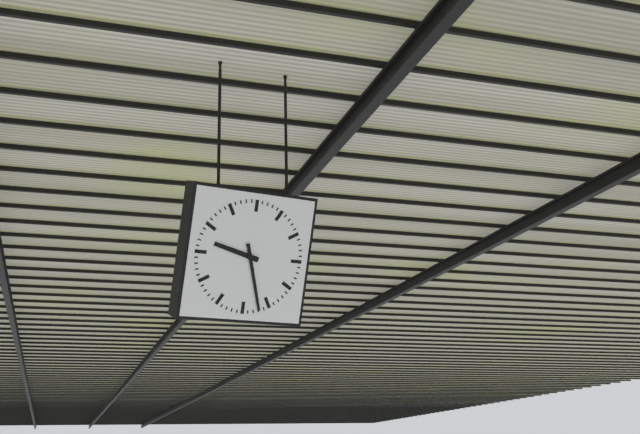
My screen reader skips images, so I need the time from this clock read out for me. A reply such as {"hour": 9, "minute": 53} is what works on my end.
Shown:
{"hour": 9, "minute": 27}
